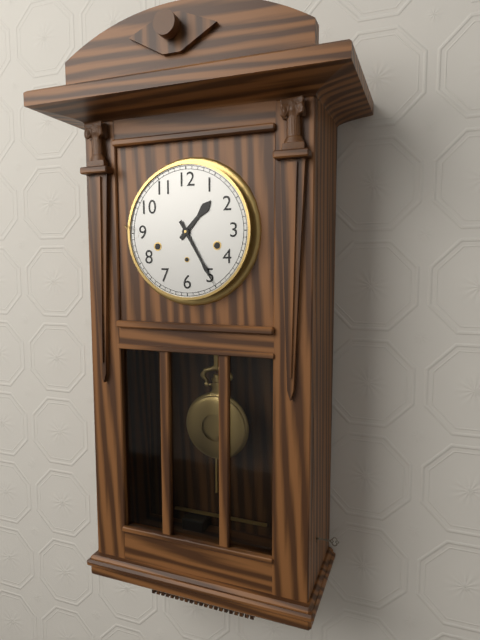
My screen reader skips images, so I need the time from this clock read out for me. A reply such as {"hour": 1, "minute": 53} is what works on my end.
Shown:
{"hour": 1, "minute": 25}
